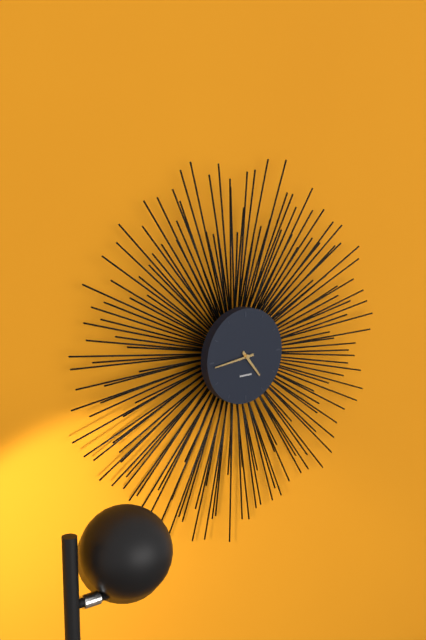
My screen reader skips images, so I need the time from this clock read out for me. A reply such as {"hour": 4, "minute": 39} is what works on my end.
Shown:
{"hour": 4, "minute": 44}
